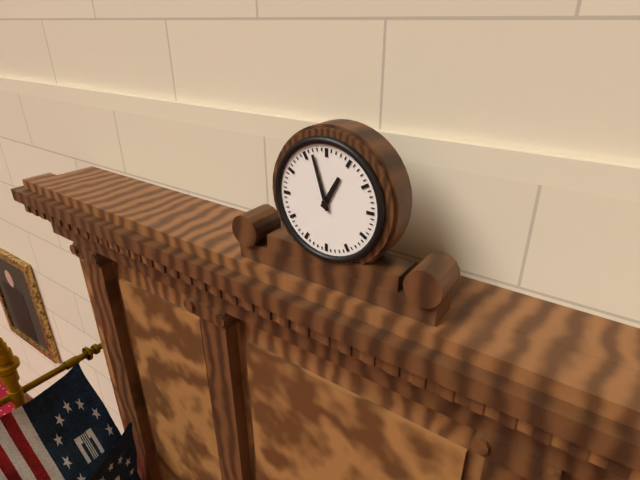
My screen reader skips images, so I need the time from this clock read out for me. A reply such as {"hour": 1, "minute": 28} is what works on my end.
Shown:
{"hour": 12, "minute": 57}
